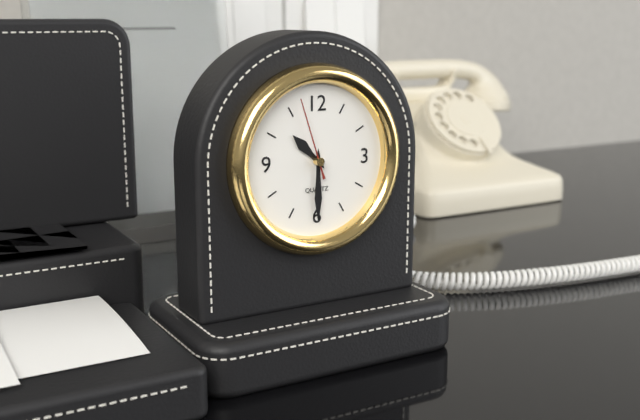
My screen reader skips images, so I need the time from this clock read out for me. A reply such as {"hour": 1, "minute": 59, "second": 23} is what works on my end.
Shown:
{"hour": 10, "minute": 30, "second": 57}
